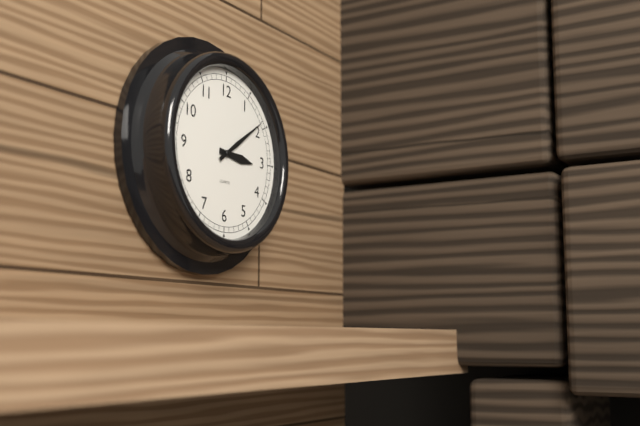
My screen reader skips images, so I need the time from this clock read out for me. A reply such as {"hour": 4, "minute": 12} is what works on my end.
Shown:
{"hour": 3, "minute": 9}
